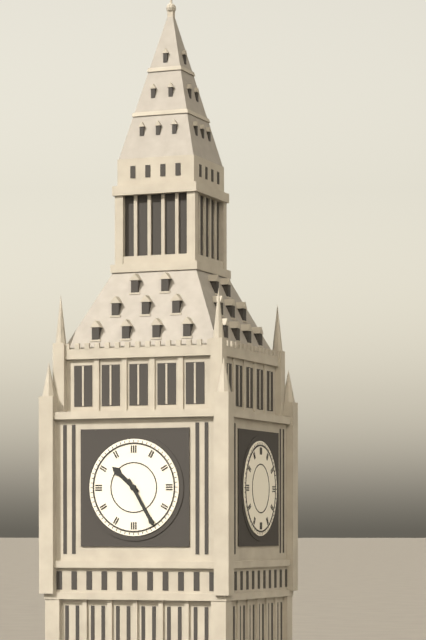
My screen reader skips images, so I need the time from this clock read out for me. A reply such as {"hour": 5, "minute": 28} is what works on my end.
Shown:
{"hour": 10, "minute": 25}
